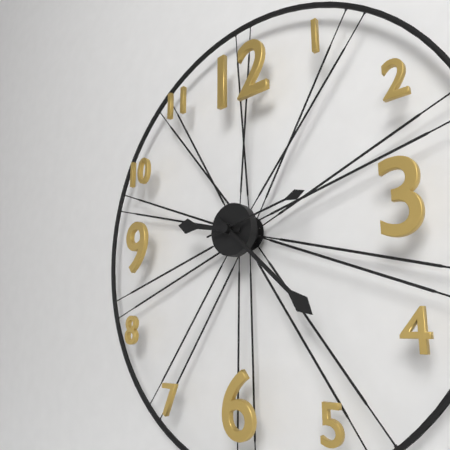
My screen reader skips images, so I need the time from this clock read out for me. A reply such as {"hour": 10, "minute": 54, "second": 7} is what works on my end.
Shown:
{"hour": 9, "minute": 22, "second": 13}
